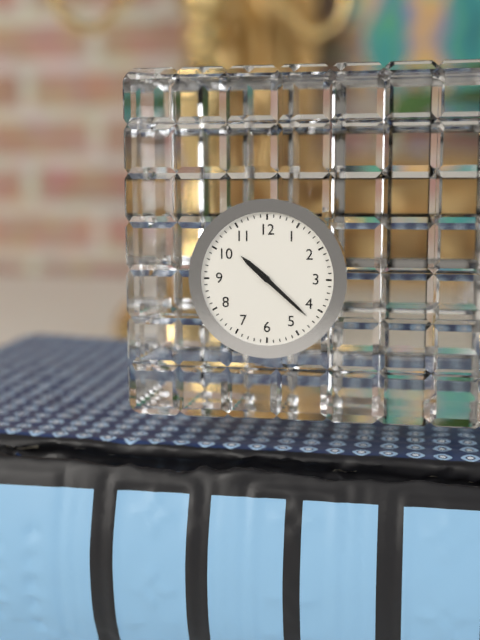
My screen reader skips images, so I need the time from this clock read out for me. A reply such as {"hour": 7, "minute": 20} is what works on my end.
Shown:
{"hour": 10, "minute": 22}
